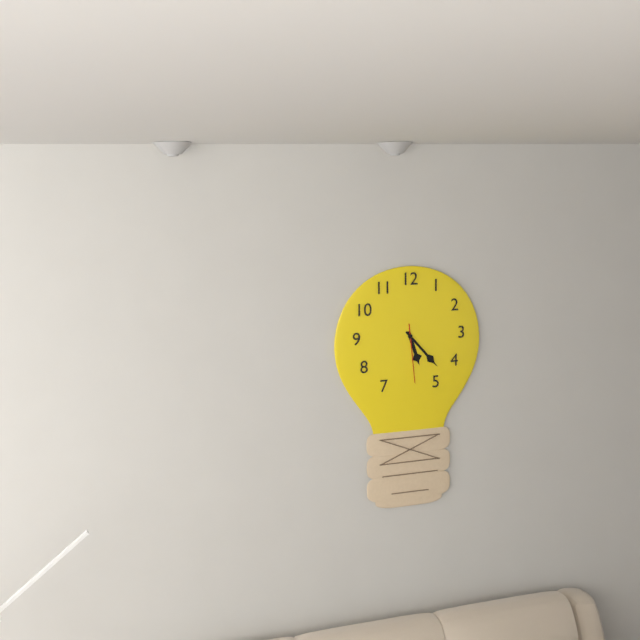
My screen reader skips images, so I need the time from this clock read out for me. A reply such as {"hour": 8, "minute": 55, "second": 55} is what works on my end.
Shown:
{"hour": 5, "minute": 23, "second": 29}
